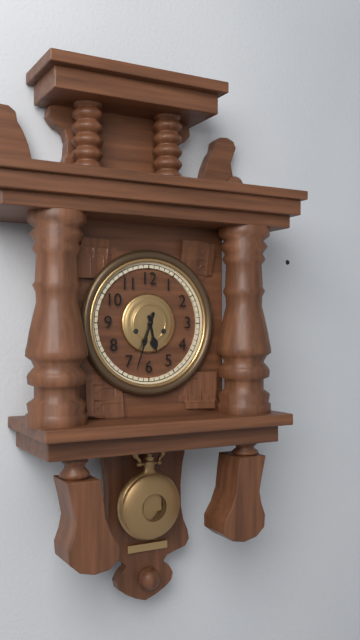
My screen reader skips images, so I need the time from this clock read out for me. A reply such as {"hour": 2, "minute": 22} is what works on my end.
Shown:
{"hour": 5, "minute": 33}
